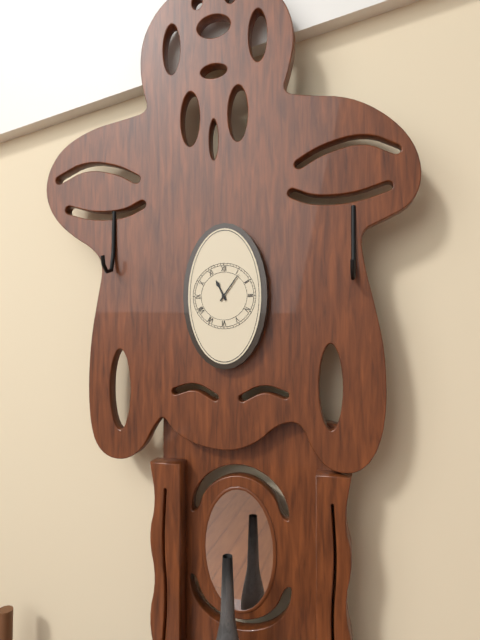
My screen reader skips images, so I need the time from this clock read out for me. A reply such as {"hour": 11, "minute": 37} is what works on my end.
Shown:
{"hour": 11, "minute": 6}
